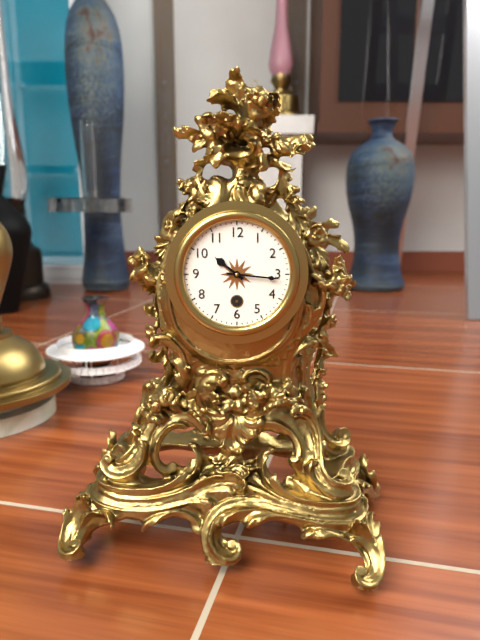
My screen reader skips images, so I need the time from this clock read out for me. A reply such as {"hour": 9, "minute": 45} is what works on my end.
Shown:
{"hour": 10, "minute": 16}
